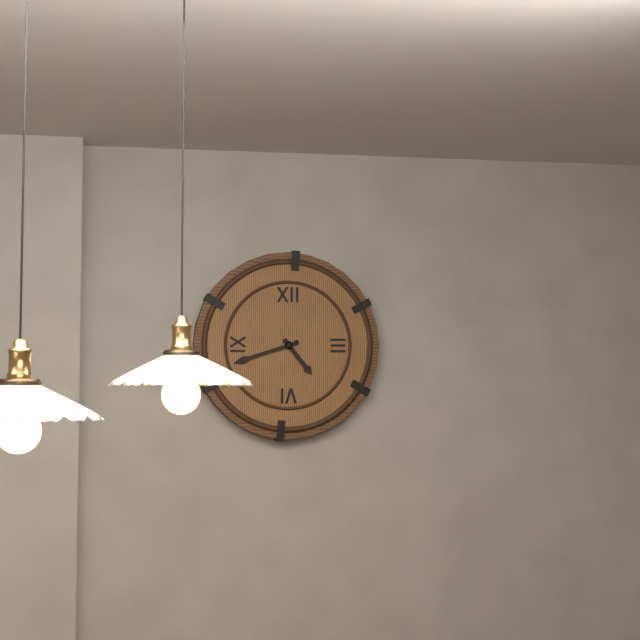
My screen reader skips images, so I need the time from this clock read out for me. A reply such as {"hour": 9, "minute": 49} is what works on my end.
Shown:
{"hour": 4, "minute": 42}
